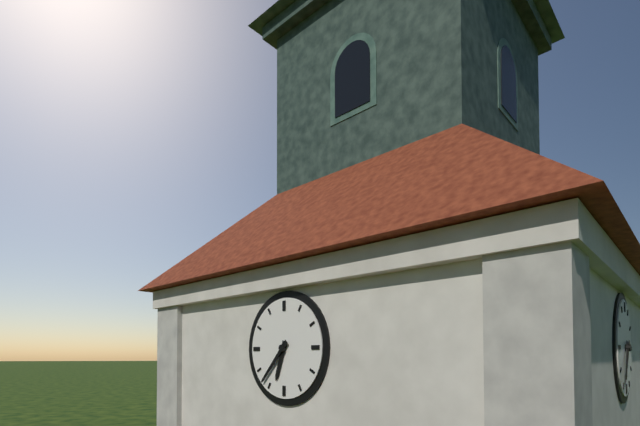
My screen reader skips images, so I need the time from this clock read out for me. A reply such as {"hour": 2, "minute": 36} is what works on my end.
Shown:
{"hour": 6, "minute": 37}
